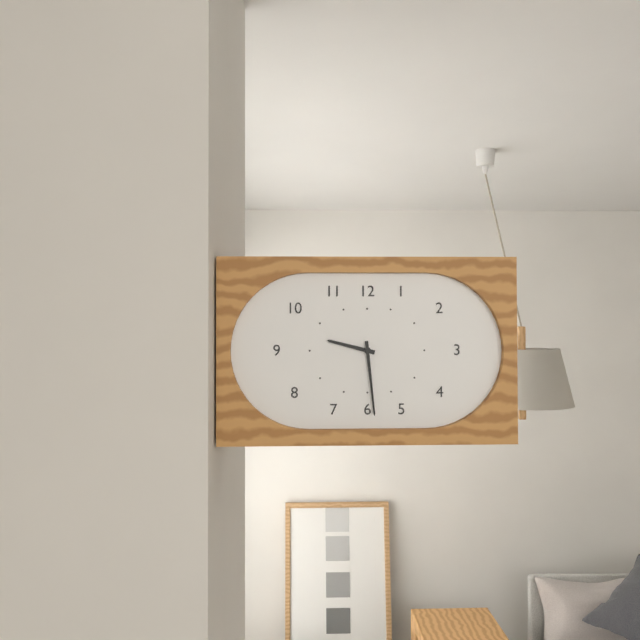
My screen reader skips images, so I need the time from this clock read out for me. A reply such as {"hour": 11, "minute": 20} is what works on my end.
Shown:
{"hour": 9, "minute": 29}
